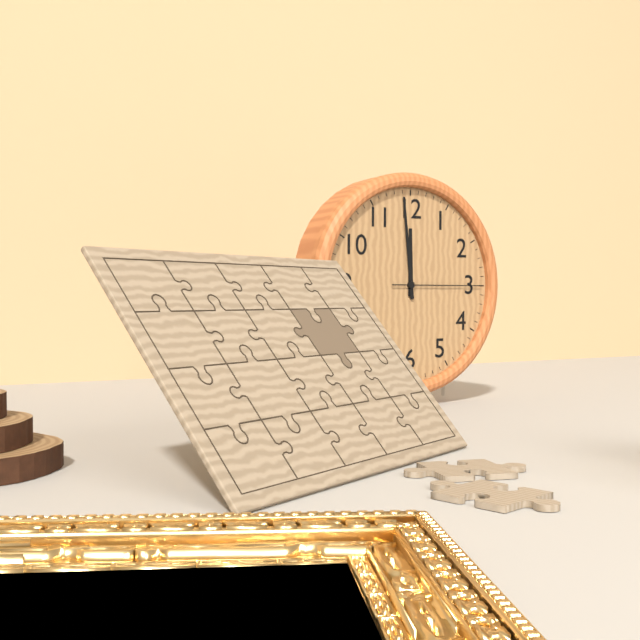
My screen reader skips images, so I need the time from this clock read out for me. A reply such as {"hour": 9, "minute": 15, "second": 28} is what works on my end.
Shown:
{"hour": 11, "minute": 59, "second": 15}
